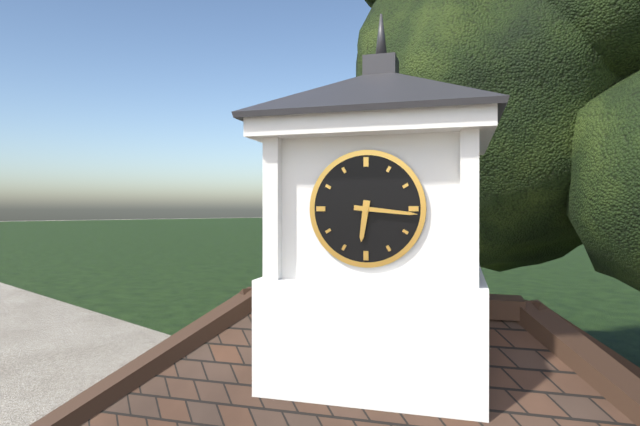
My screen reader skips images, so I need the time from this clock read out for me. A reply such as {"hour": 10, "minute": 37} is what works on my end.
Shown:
{"hour": 6, "minute": 16}
